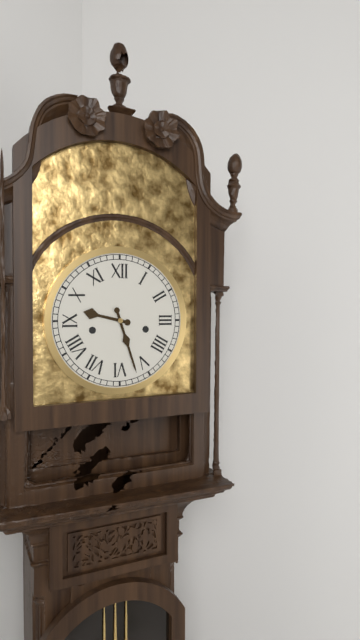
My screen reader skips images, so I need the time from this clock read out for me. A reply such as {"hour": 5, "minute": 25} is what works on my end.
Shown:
{"hour": 9, "minute": 27}
